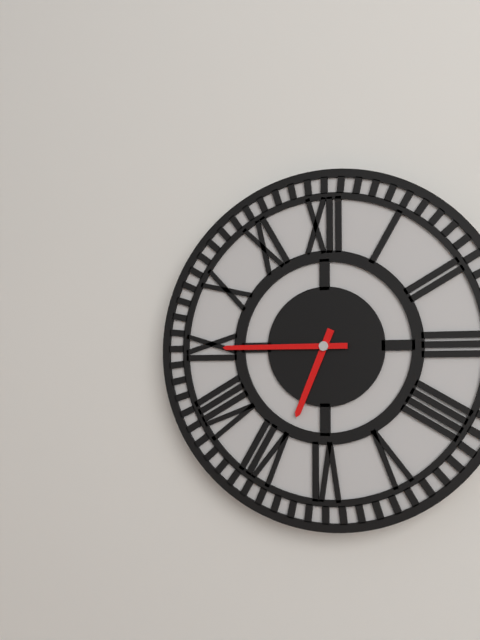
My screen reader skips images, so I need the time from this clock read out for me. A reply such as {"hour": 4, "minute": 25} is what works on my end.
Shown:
{"hour": 6, "minute": 45}
